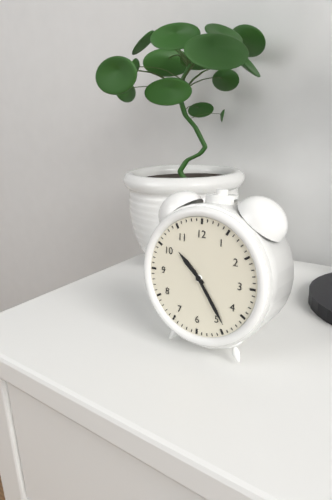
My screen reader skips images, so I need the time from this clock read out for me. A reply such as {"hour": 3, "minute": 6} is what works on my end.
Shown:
{"hour": 10, "minute": 24}
